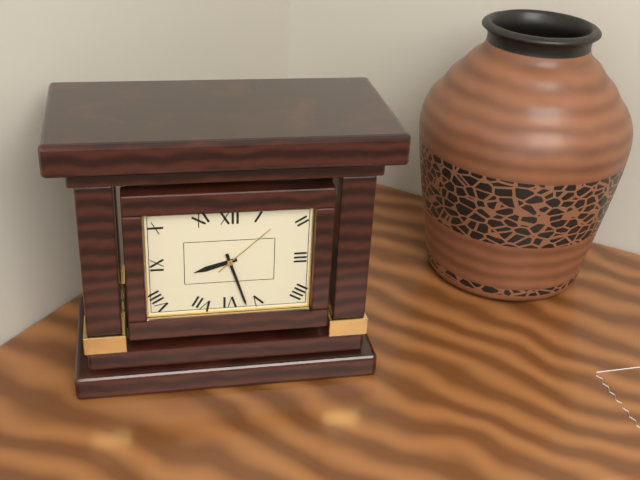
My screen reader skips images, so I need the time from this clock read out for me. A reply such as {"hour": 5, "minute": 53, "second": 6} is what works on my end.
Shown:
{"hour": 8, "minute": 27, "second": 8}
